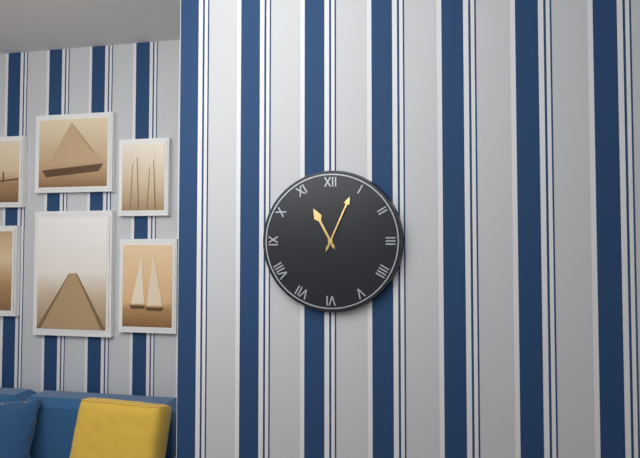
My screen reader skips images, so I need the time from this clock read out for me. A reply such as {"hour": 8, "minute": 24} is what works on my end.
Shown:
{"hour": 11, "minute": 4}
